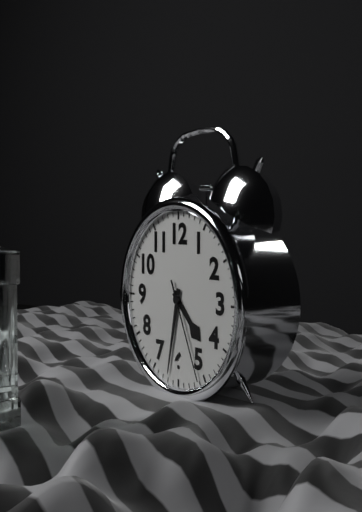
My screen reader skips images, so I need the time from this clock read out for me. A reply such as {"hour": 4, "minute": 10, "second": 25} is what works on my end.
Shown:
{"hour": 4, "minute": 32, "second": 26}
